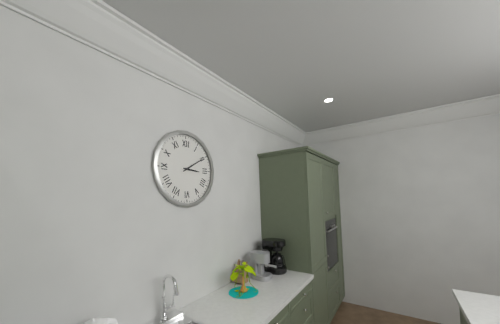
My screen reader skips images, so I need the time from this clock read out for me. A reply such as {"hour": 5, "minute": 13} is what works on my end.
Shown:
{"hour": 3, "minute": 10}
